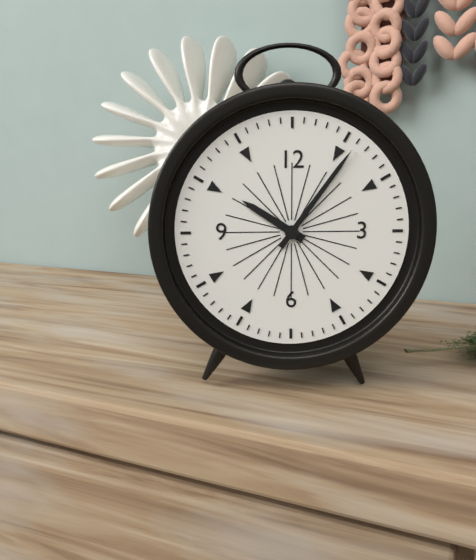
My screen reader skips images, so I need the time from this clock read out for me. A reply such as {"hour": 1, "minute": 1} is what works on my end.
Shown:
{"hour": 10, "minute": 6}
